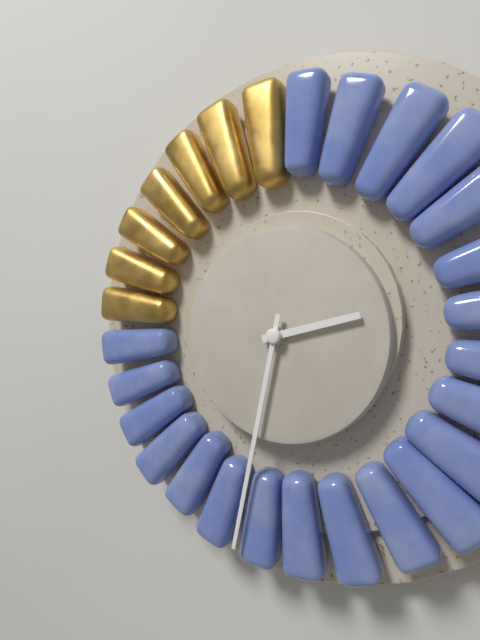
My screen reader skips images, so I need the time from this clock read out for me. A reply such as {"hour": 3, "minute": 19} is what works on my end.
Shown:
{"hour": 2, "minute": 32}
